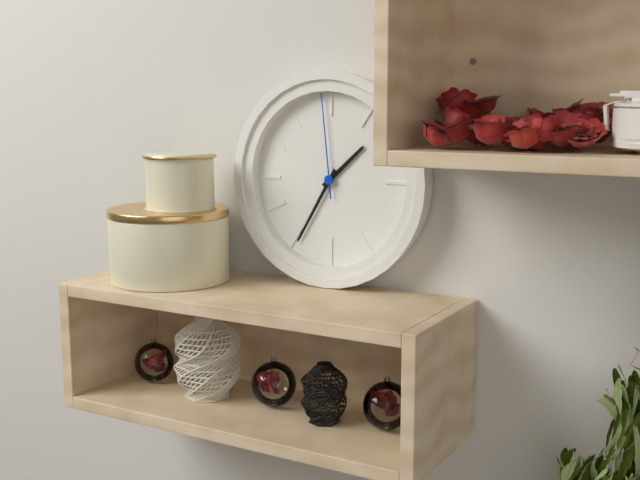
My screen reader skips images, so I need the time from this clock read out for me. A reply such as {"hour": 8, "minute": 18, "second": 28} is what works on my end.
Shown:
{"hour": 1, "minute": 35, "second": 59}
